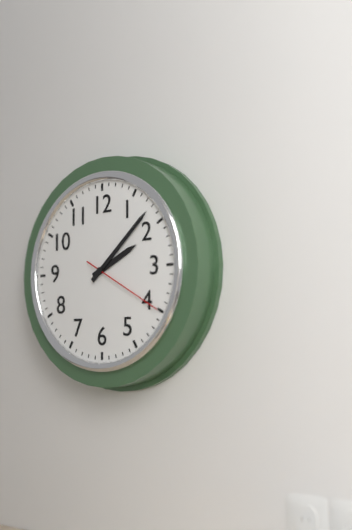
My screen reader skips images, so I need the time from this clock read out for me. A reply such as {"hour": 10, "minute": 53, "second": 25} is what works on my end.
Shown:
{"hour": 2, "minute": 8, "second": 20}
